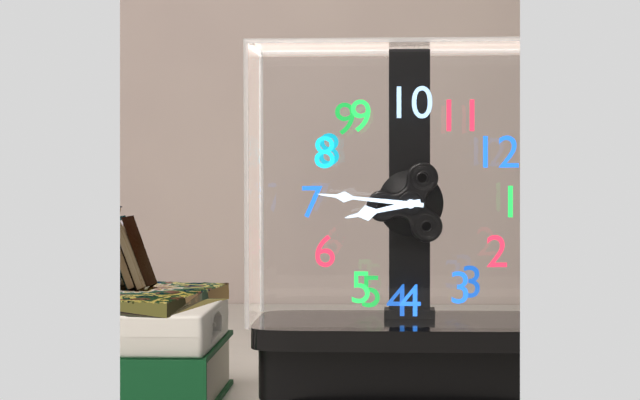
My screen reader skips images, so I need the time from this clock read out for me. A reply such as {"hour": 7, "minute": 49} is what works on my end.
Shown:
{"hour": 6, "minute": 36}
